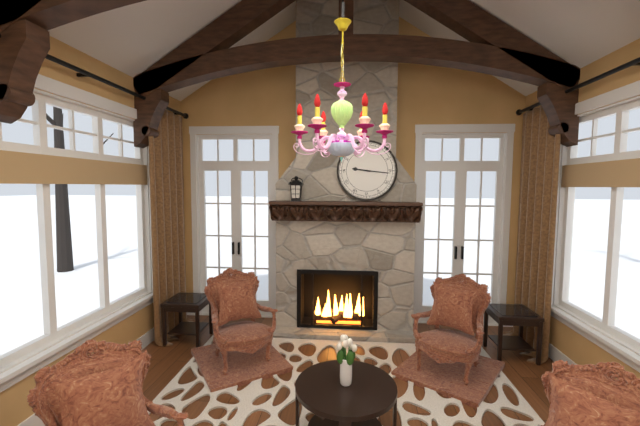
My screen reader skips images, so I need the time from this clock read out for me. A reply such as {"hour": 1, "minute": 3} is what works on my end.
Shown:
{"hour": 9, "minute": 16}
